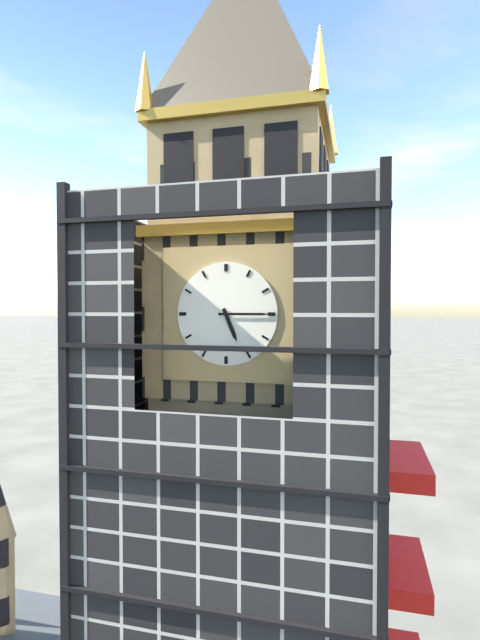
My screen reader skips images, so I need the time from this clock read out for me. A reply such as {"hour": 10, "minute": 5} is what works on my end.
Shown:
{"hour": 5, "minute": 15}
